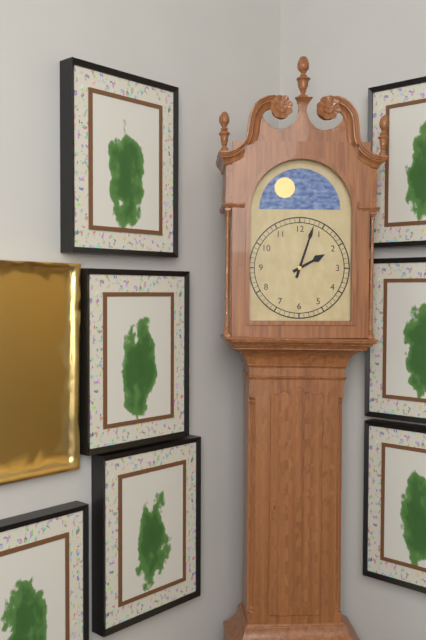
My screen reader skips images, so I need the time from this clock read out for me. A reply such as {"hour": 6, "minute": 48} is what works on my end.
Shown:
{"hour": 2, "minute": 3}
